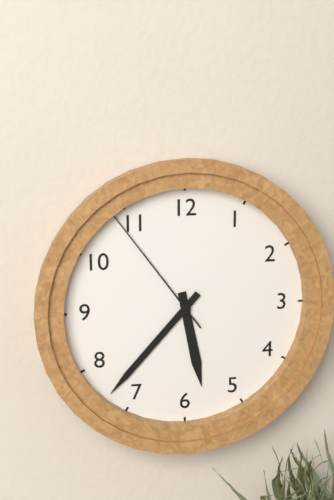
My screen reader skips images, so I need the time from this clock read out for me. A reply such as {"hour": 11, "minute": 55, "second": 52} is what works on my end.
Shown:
{"hour": 5, "minute": 37, "second": 54}
